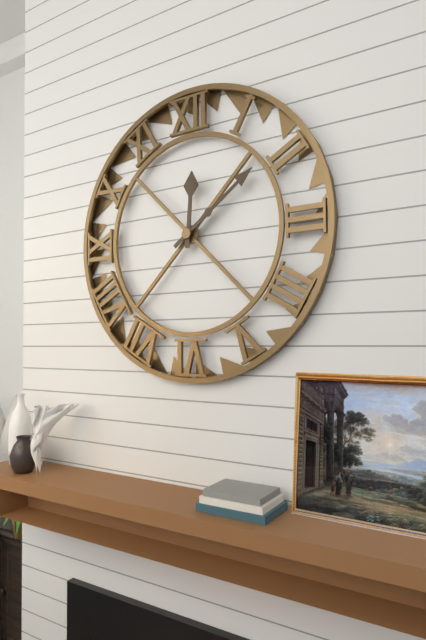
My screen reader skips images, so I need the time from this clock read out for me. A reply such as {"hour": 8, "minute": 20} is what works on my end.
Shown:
{"hour": 12, "minute": 9}
